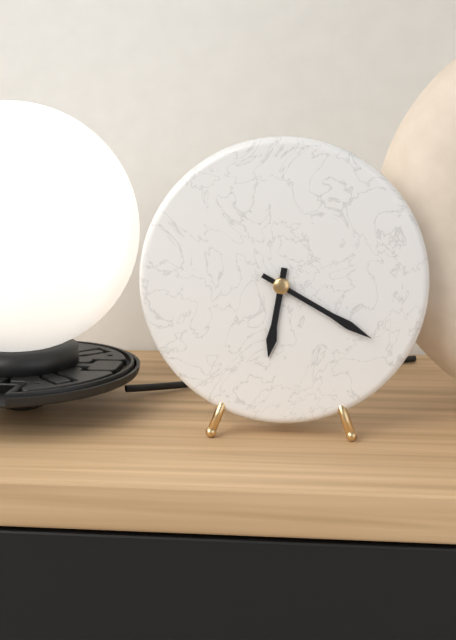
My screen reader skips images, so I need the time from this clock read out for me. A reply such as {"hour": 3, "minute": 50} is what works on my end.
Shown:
{"hour": 6, "minute": 20}
